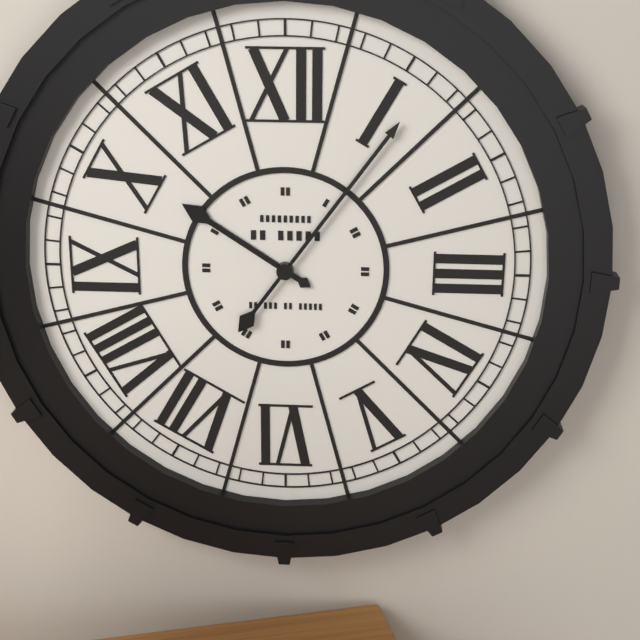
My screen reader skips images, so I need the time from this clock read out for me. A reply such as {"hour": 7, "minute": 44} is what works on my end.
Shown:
{"hour": 10, "minute": 6}
